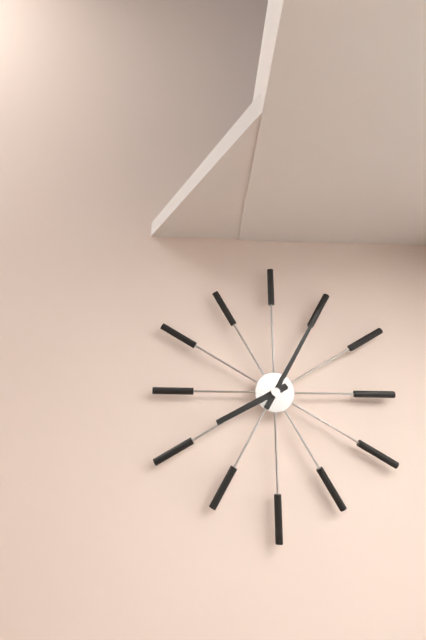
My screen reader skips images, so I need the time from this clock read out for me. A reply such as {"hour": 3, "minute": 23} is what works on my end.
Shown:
{"hour": 8, "minute": 5}
